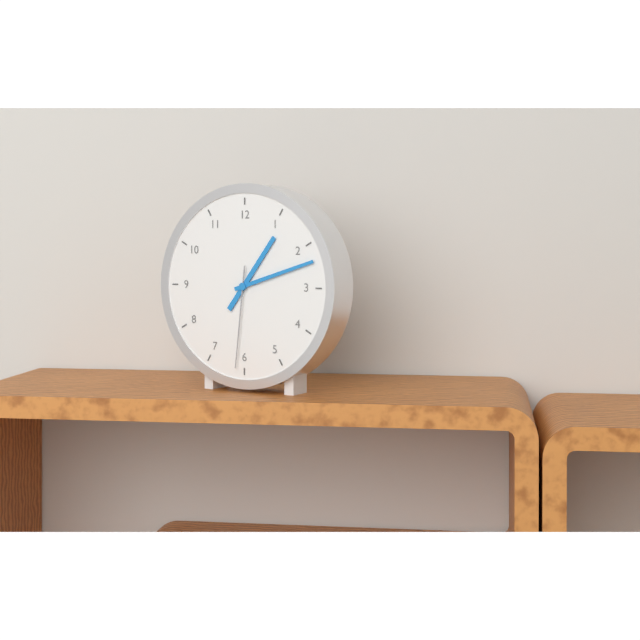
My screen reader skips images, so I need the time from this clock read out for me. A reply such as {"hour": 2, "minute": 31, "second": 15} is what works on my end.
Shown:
{"hour": 1, "minute": 12, "second": 31}
